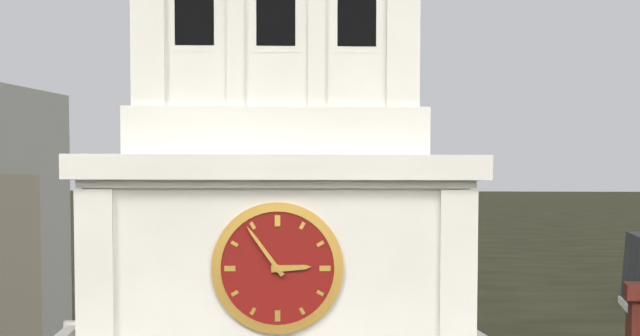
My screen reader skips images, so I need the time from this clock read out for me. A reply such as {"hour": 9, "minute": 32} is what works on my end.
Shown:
{"hour": 2, "minute": 54}
